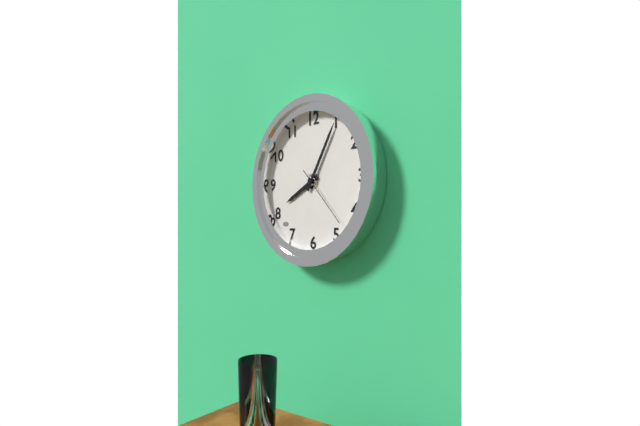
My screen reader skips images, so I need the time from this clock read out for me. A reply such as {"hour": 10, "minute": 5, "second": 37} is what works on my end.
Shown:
{"hour": 8, "minute": 5, "second": 23}
